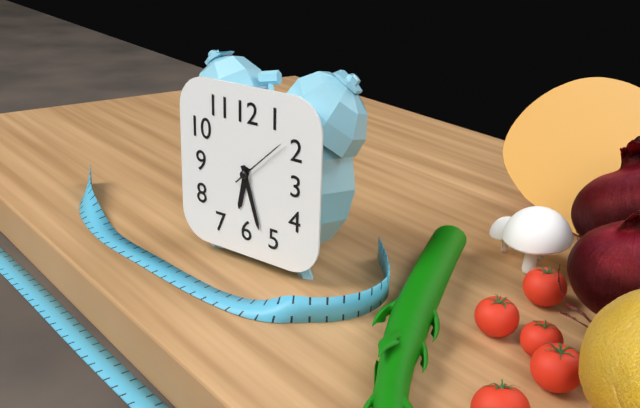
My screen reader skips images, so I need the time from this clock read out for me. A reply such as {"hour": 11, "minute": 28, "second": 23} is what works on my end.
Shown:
{"hour": 6, "minute": 27, "second": 8}
